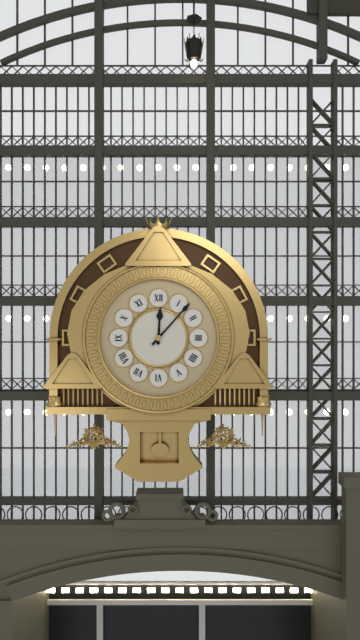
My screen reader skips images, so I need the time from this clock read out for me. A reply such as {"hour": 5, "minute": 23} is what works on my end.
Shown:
{"hour": 12, "minute": 7}
